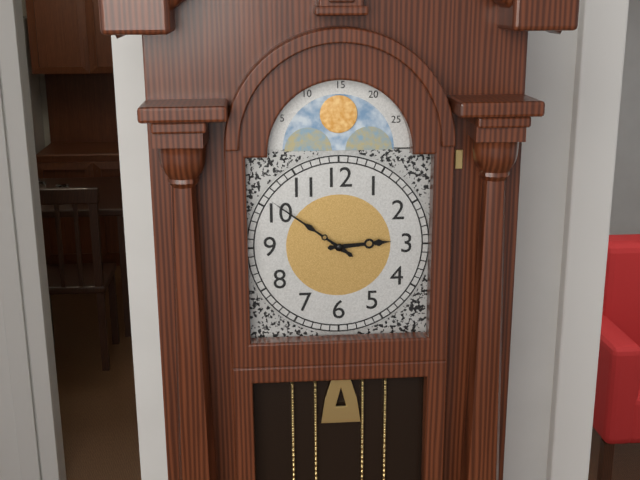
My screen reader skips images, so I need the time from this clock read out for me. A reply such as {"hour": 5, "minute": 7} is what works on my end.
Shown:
{"hour": 2, "minute": 51}
